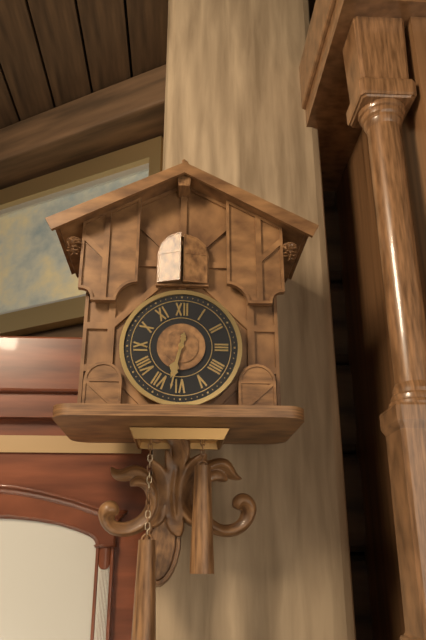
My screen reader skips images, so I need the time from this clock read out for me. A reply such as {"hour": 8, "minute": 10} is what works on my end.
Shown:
{"hour": 6, "minute": 32}
